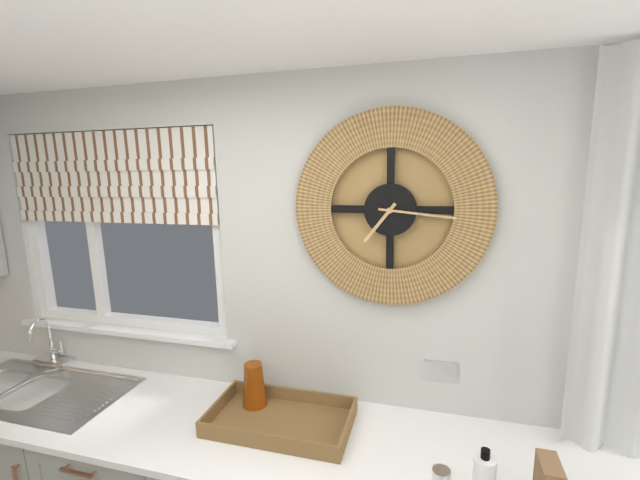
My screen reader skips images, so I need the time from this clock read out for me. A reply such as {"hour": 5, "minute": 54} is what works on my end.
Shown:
{"hour": 7, "minute": 16}
